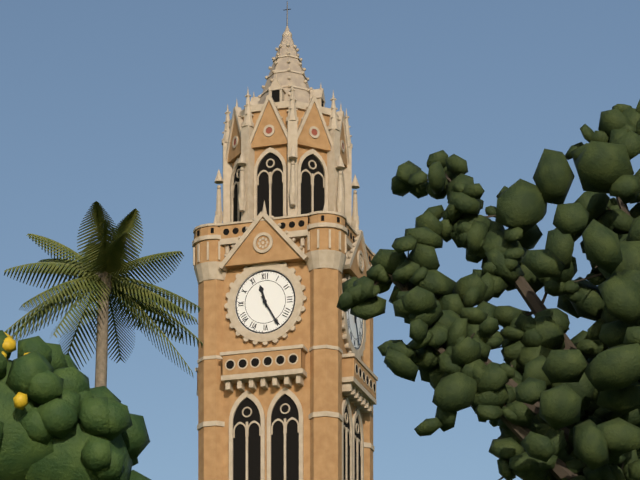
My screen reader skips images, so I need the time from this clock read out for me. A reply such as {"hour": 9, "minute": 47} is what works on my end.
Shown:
{"hour": 11, "minute": 25}
